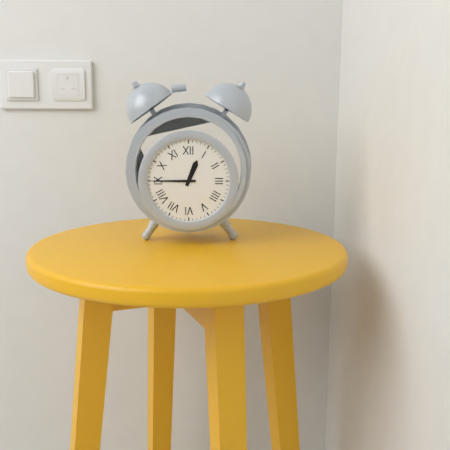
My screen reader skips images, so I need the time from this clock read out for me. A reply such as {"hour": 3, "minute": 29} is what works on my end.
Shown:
{"hour": 12, "minute": 45}
